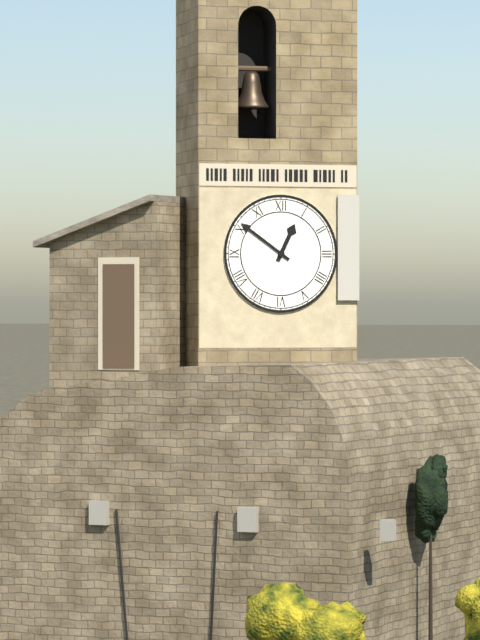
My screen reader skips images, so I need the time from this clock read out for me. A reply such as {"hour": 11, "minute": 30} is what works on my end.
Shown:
{"hour": 12, "minute": 51}
